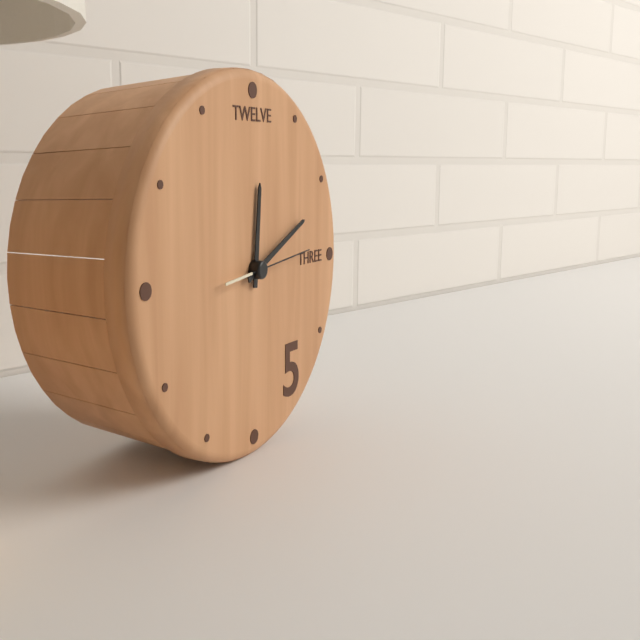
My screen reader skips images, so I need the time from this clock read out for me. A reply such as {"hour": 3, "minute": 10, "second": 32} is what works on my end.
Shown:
{"hour": 12, "minute": 11, "second": 14}
